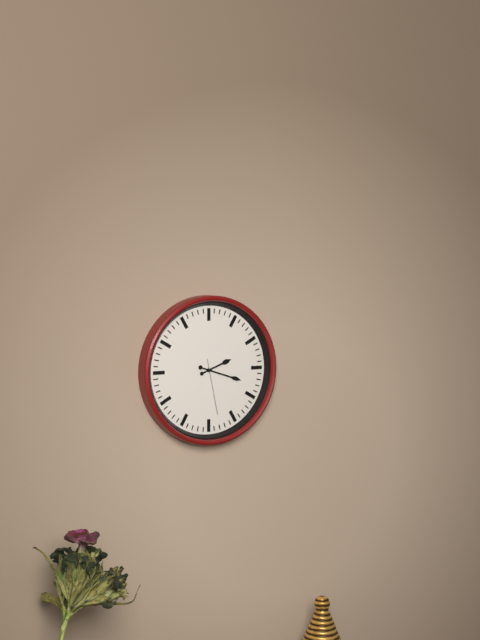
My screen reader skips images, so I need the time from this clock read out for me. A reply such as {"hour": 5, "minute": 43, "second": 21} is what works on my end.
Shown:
{"hour": 2, "minute": 18, "second": 28}
